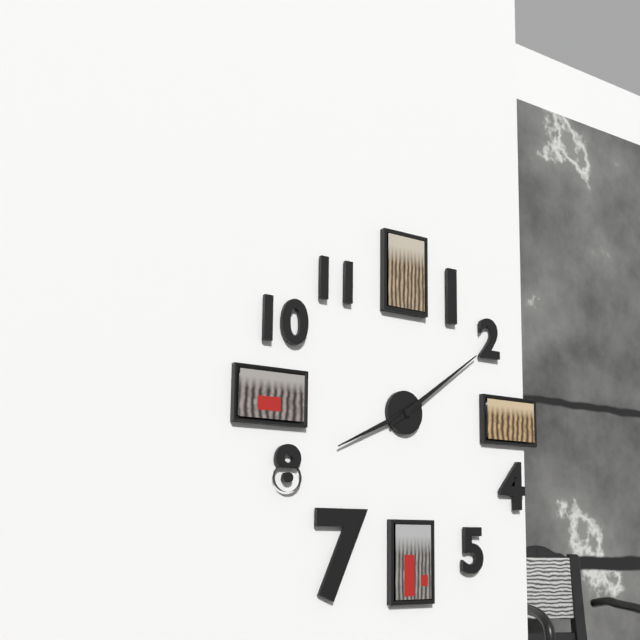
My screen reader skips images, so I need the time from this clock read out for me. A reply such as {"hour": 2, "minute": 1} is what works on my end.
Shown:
{"hour": 8, "minute": 9}
